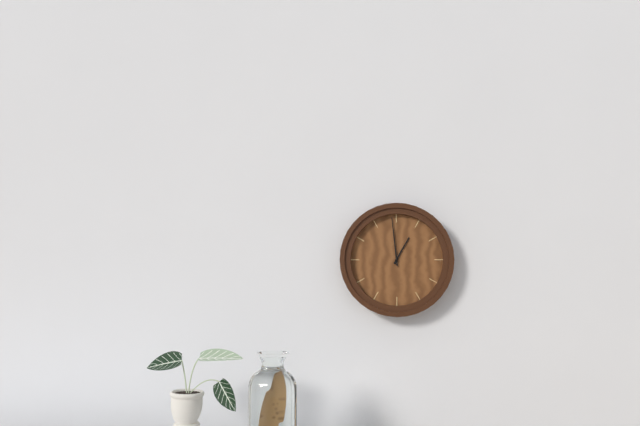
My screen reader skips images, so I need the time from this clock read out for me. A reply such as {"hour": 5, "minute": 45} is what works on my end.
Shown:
{"hour": 12, "minute": 59}
